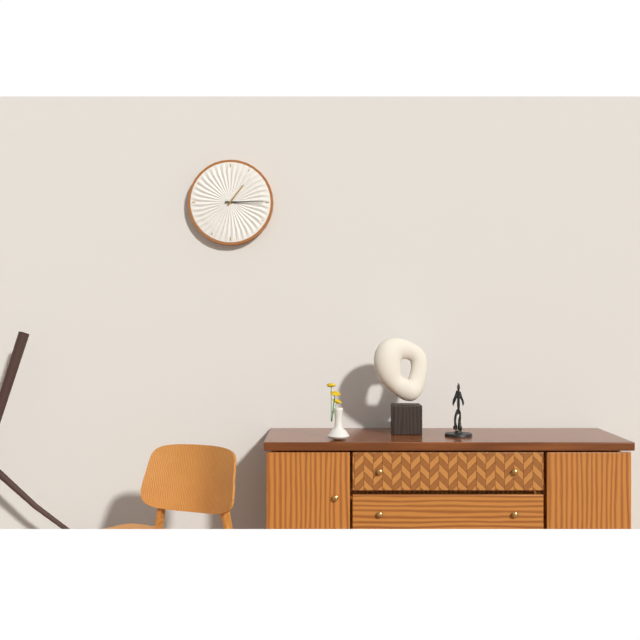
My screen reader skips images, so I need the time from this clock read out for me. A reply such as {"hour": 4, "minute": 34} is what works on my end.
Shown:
{"hour": 1, "minute": 15}
